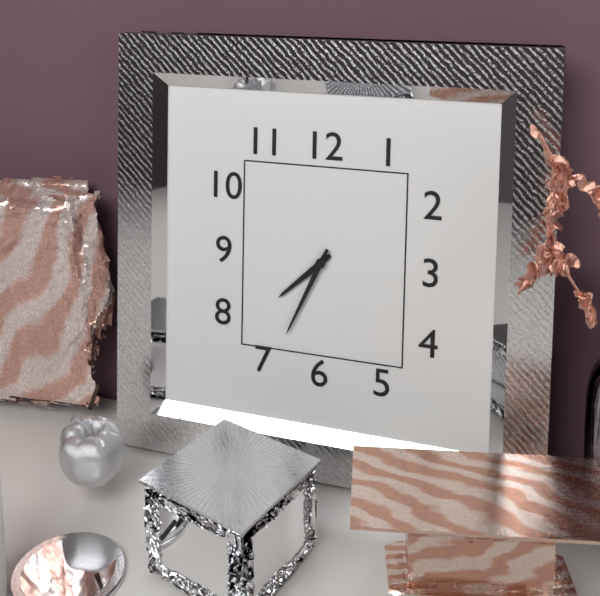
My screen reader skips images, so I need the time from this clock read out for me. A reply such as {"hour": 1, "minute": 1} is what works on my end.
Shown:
{"hour": 7, "minute": 34}
